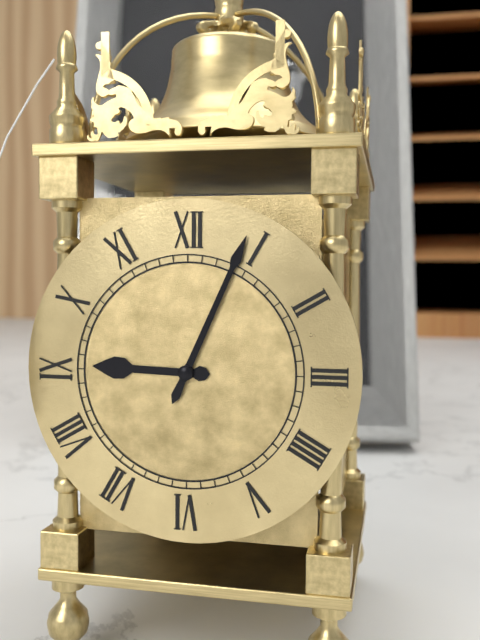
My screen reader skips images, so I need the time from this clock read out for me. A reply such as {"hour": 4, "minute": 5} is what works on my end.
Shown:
{"hour": 9, "minute": 4}
